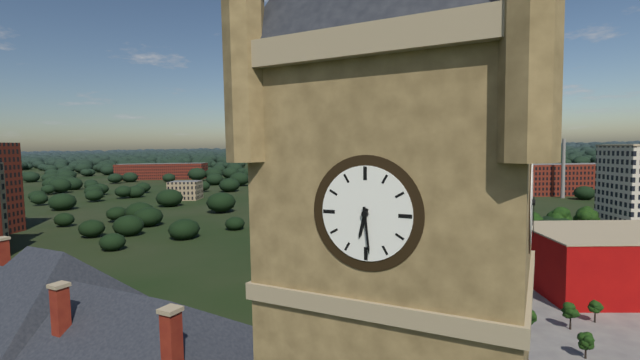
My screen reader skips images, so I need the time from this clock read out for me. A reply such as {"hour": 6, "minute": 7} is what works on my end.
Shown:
{"hour": 6, "minute": 29}
